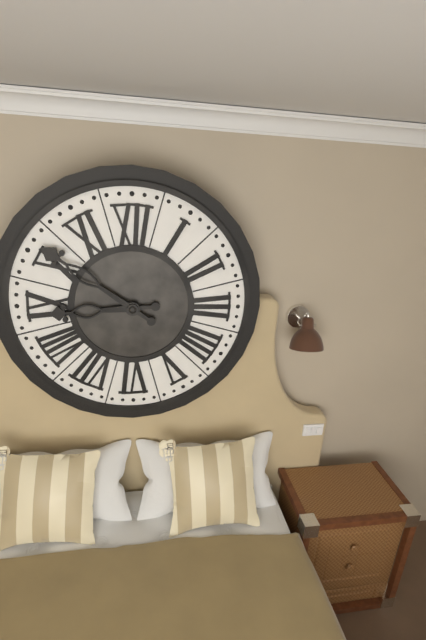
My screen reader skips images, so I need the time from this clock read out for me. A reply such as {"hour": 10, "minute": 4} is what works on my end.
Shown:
{"hour": 8, "minute": 51}
